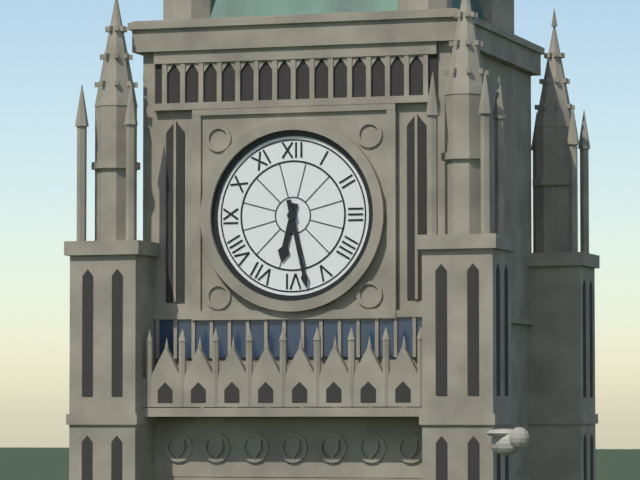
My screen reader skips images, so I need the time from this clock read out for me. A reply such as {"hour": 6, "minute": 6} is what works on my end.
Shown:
{"hour": 6, "minute": 28}
